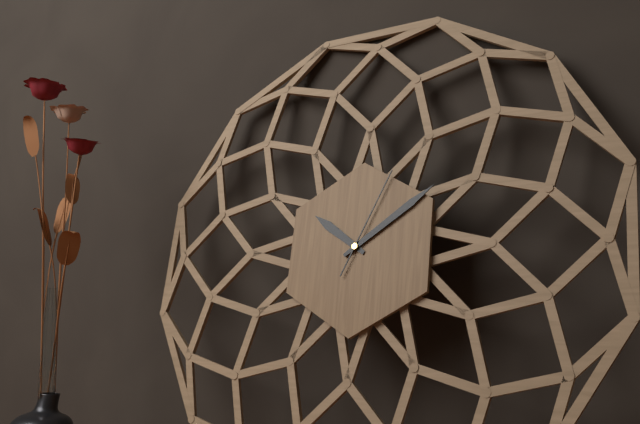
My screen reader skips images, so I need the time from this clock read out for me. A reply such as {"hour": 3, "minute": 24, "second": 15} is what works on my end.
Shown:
{"hour": 10, "minute": 9, "second": 4}
